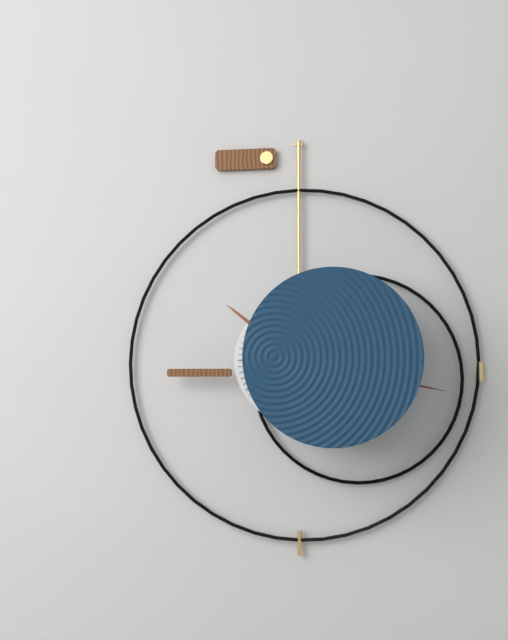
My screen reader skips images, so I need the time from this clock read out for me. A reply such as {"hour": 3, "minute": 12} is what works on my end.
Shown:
{"hour": 10, "minute": 17}
